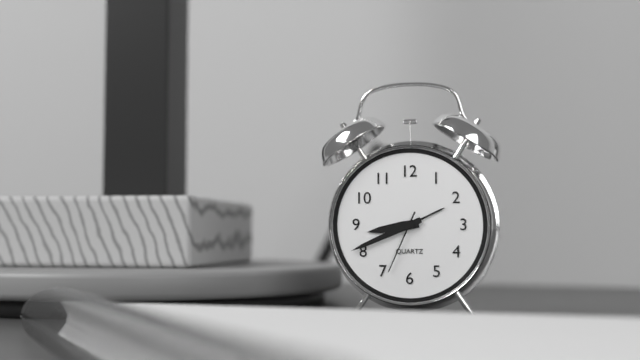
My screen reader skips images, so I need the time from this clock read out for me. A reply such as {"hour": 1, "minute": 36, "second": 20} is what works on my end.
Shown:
{"hour": 8, "minute": 41, "second": 34}
